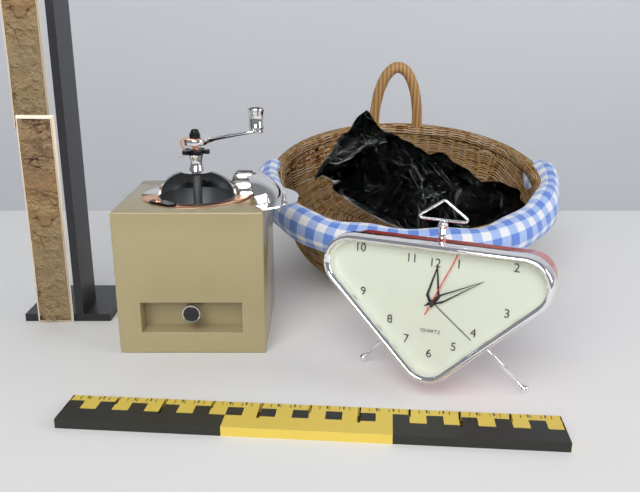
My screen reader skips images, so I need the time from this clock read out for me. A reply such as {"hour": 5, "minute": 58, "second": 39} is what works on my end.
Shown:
{"hour": 12, "minute": 10, "second": 4}
